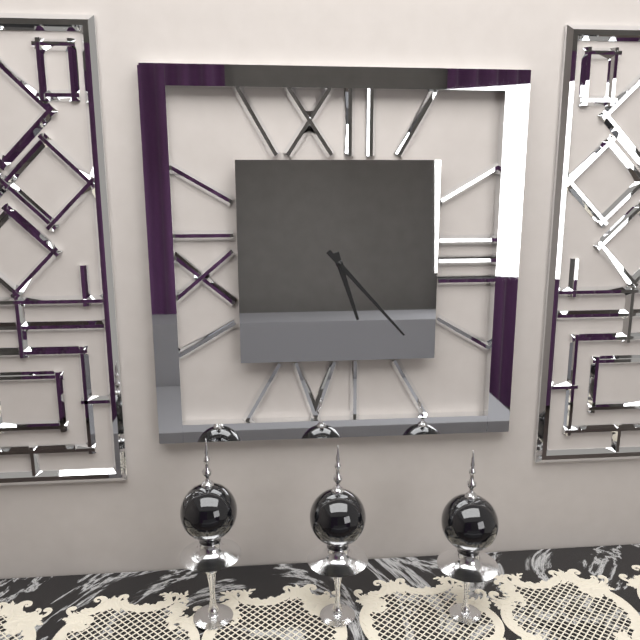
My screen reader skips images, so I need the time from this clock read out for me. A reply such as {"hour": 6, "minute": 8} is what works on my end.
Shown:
{"hour": 5, "minute": 23}
